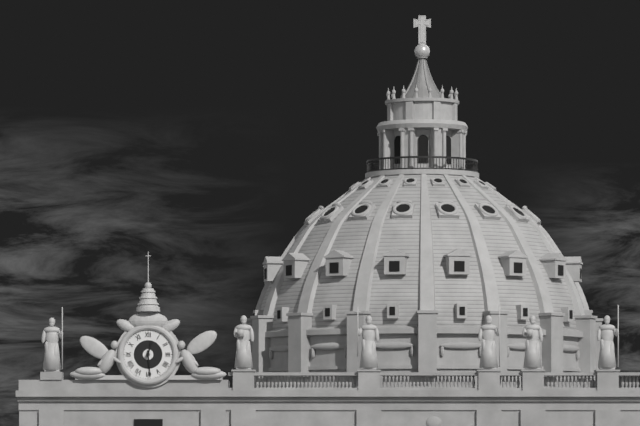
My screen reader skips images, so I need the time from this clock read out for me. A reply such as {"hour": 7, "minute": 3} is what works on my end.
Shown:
{"hour": 12, "minute": 29}
